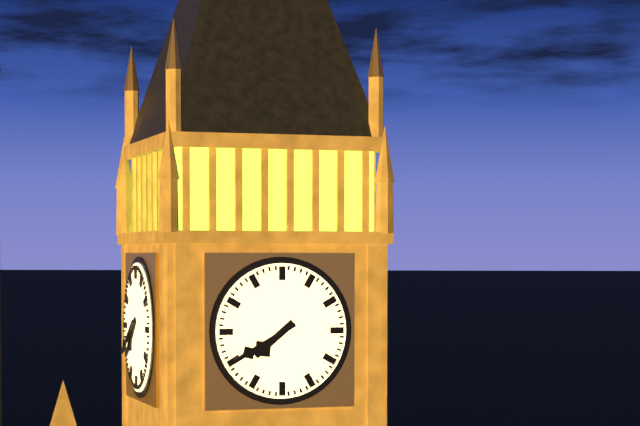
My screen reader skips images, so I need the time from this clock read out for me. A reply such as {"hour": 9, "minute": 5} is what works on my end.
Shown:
{"hour": 7, "minute": 40}
